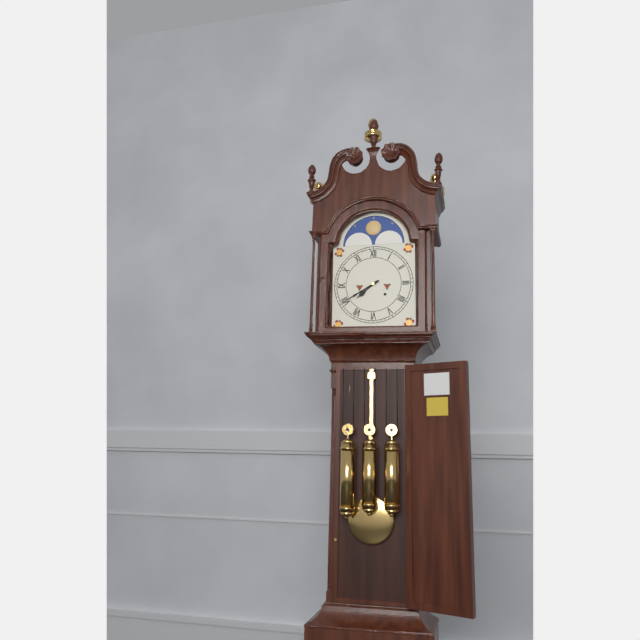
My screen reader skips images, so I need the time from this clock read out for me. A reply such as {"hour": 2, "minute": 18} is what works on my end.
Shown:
{"hour": 7, "minute": 40}
